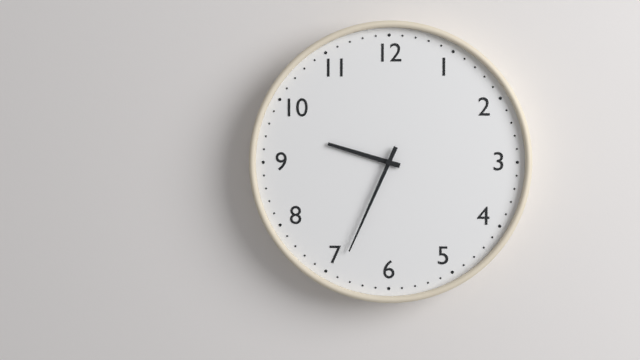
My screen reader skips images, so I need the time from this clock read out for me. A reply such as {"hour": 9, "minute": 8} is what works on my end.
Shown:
{"hour": 9, "minute": 34}
